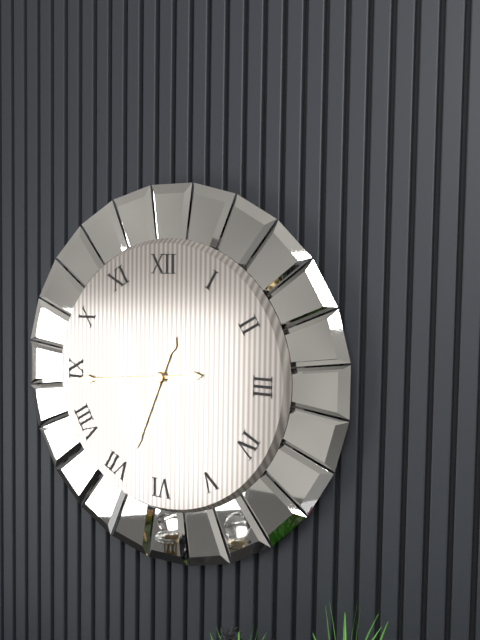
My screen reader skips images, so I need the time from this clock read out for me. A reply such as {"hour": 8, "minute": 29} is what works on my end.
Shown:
{"hour": 6, "minute": 44}
